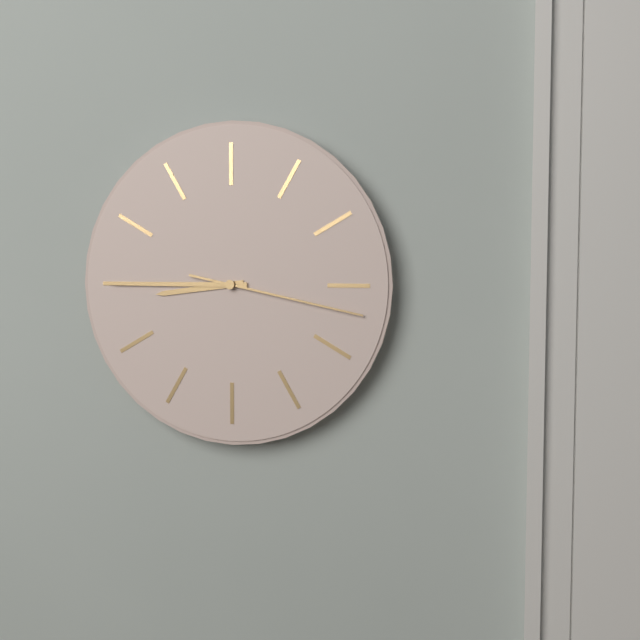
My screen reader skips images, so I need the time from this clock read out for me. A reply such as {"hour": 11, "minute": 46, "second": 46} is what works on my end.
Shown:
{"hour": 8, "minute": 45, "second": 17}
